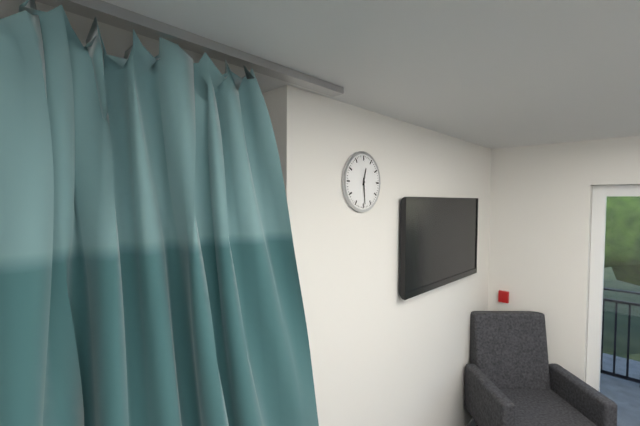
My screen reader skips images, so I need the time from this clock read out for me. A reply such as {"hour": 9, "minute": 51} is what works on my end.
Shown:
{"hour": 12, "minute": 29}
